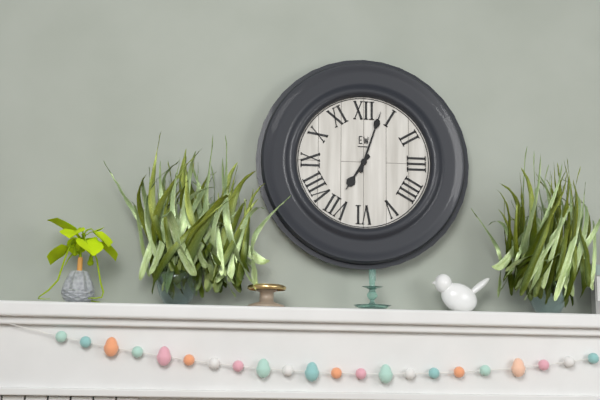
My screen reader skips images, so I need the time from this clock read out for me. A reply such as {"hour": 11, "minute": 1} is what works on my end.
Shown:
{"hour": 7, "minute": 3}
